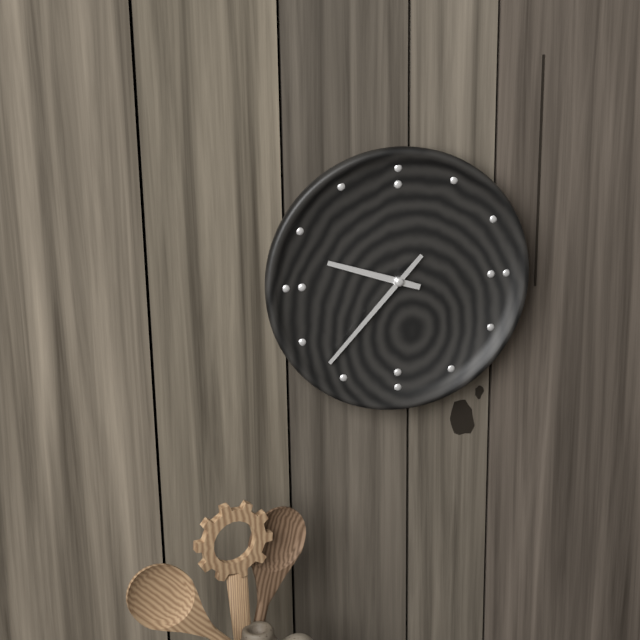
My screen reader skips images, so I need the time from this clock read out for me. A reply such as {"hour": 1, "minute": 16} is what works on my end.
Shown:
{"hour": 9, "minute": 37}
